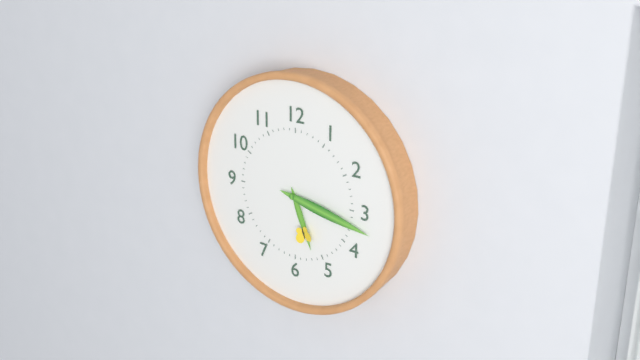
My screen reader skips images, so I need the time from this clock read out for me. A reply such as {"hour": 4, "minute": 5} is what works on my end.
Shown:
{"hour": 5, "minute": 17}
